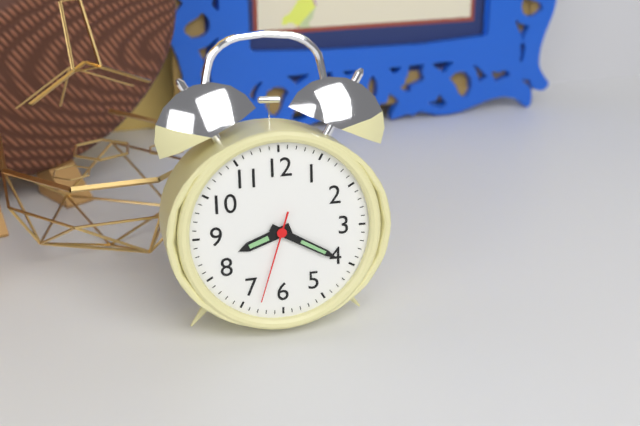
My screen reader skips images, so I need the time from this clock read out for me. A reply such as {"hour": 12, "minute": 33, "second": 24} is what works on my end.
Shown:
{"hour": 8, "minute": 20, "second": 33}
